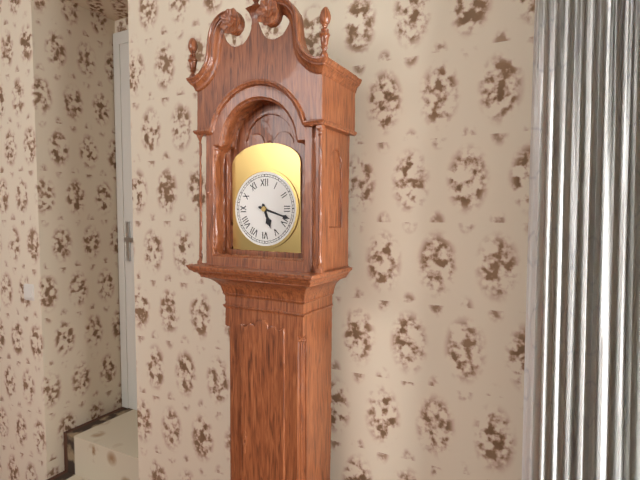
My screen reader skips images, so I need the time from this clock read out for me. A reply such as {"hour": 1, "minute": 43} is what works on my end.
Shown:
{"hour": 5, "minute": 18}
